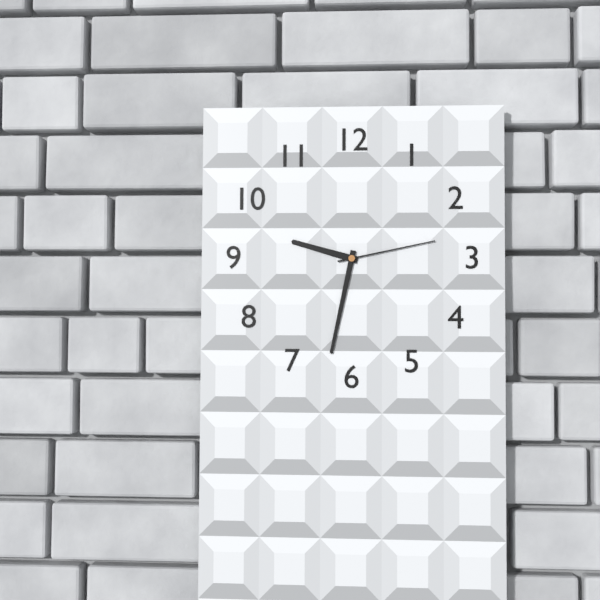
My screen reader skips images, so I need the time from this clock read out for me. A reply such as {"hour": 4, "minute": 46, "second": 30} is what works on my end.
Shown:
{"hour": 9, "minute": 32, "second": 13}
